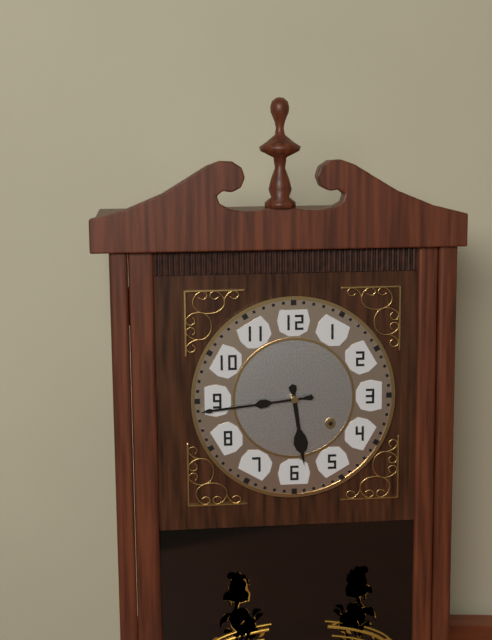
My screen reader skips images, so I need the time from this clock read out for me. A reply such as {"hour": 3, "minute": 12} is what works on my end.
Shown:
{"hour": 5, "minute": 44}
